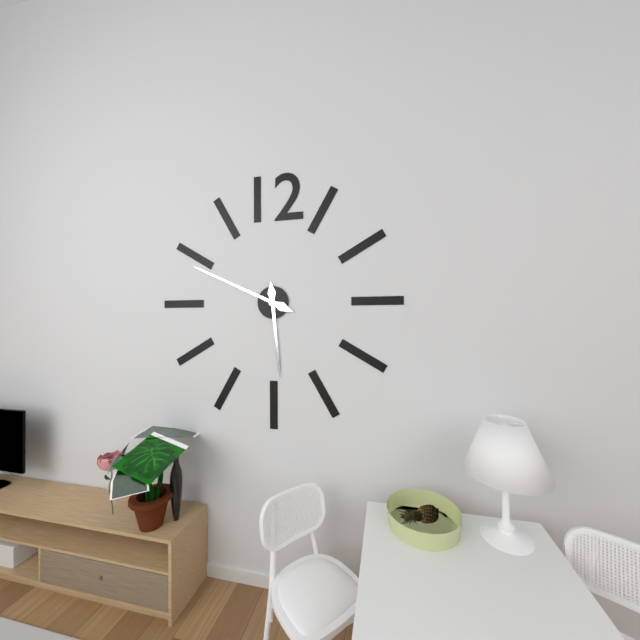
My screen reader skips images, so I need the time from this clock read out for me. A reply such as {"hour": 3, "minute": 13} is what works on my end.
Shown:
{"hour": 5, "minute": 49}
